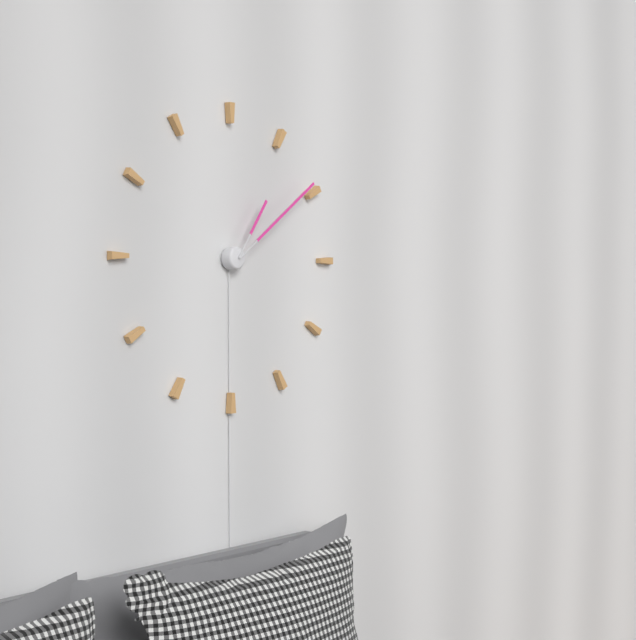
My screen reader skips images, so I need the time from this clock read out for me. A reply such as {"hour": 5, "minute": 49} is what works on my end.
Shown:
{"hour": 1, "minute": 9}
